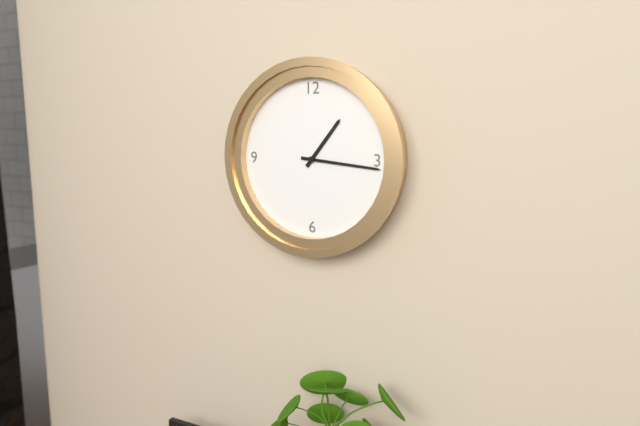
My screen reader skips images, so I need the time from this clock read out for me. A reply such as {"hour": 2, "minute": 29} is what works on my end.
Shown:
{"hour": 1, "minute": 16}
